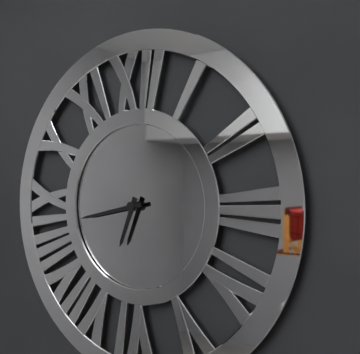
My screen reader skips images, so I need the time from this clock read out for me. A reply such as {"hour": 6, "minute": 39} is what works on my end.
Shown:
{"hour": 6, "minute": 43}
